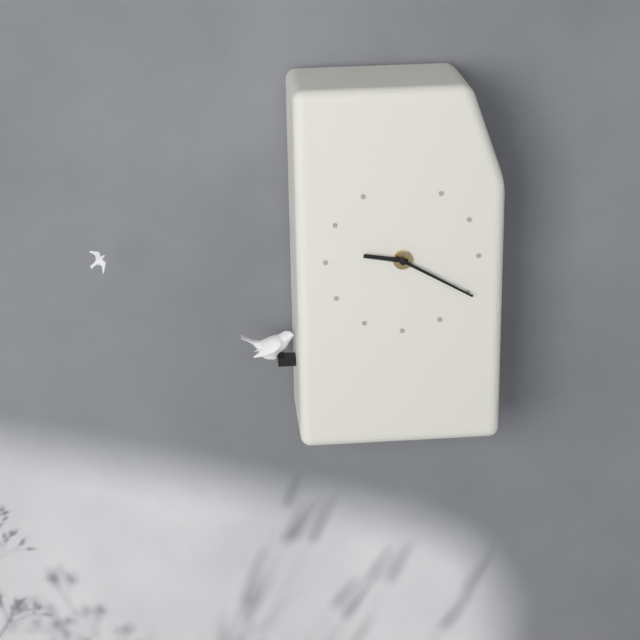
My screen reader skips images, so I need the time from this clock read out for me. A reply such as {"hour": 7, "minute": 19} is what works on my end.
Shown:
{"hour": 9, "minute": 20}
